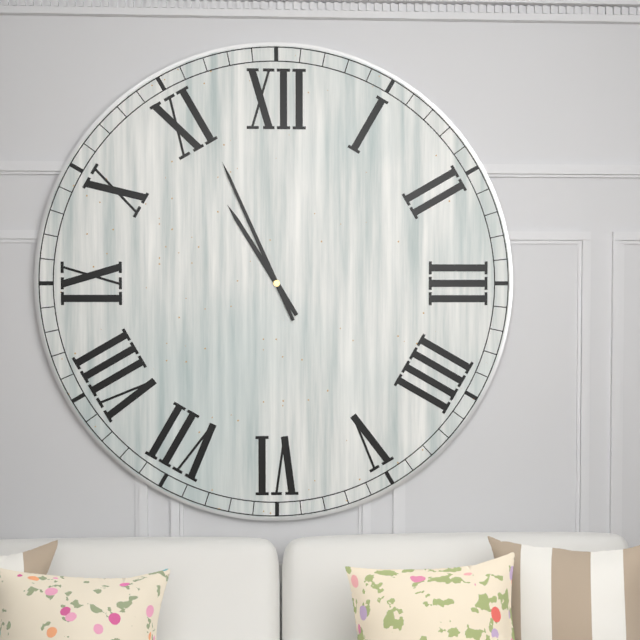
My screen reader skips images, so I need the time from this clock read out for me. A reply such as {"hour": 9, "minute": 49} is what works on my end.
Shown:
{"hour": 10, "minute": 56}
